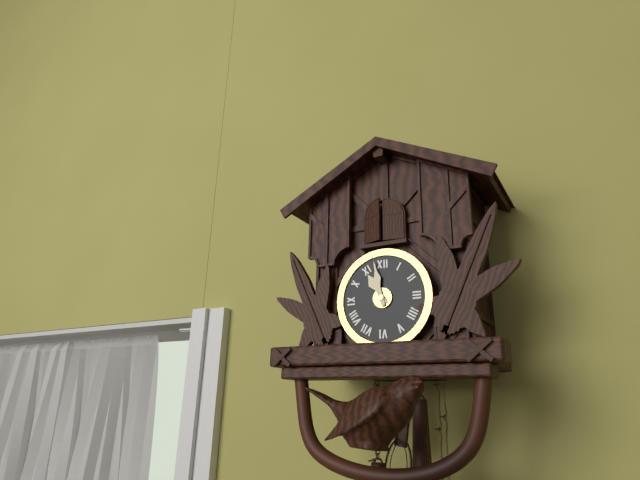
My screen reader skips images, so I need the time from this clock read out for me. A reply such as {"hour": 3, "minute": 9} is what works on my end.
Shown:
{"hour": 10, "minute": 58}
